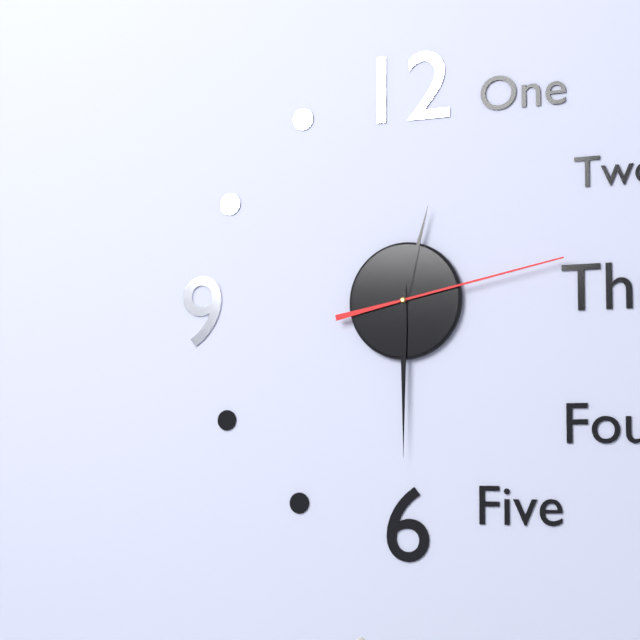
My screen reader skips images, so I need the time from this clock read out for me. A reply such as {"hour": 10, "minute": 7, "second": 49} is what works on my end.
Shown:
{"hour": 12, "minute": 30, "second": 13}
